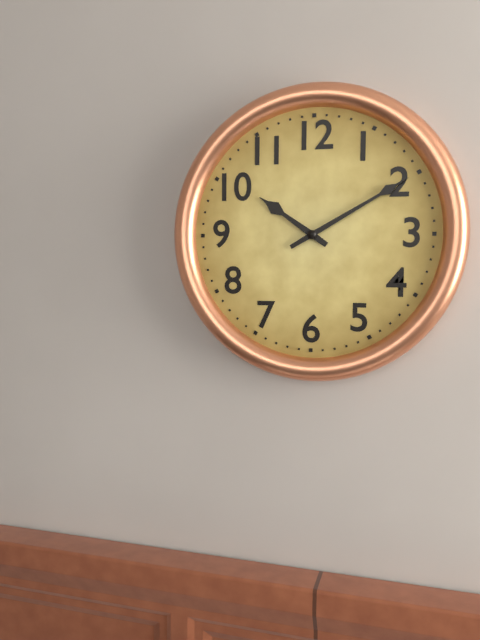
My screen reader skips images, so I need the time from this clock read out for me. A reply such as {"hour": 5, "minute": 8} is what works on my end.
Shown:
{"hour": 10, "minute": 10}
